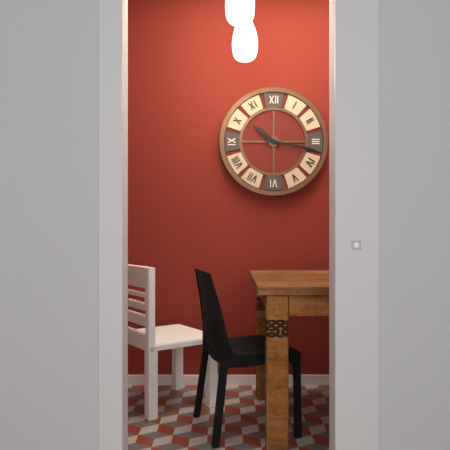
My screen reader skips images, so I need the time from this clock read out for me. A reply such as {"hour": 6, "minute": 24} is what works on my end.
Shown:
{"hour": 10, "minute": 17}
